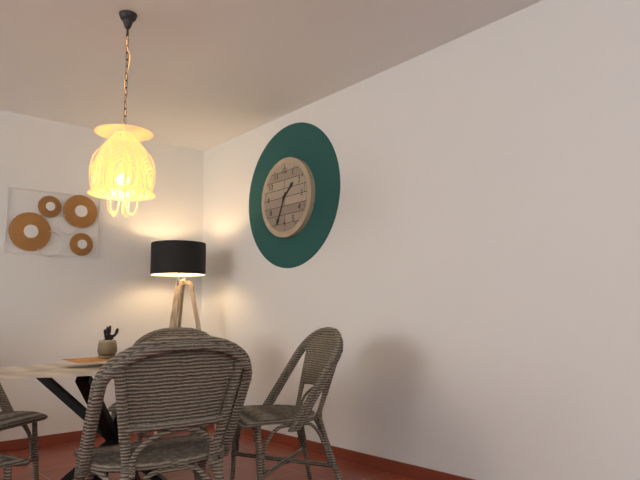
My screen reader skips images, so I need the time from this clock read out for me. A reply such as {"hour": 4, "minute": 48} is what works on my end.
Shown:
{"hour": 1, "minute": 34}
